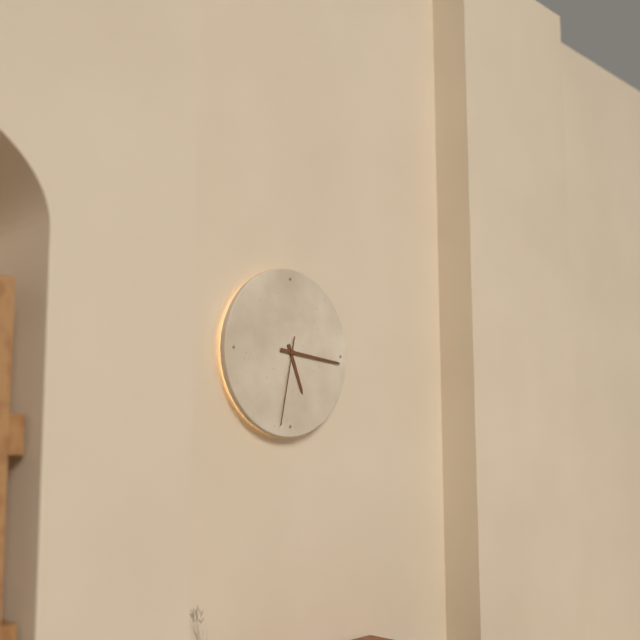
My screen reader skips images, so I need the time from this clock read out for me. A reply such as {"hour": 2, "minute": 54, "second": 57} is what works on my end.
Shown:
{"hour": 5, "minute": 16, "second": 32}
